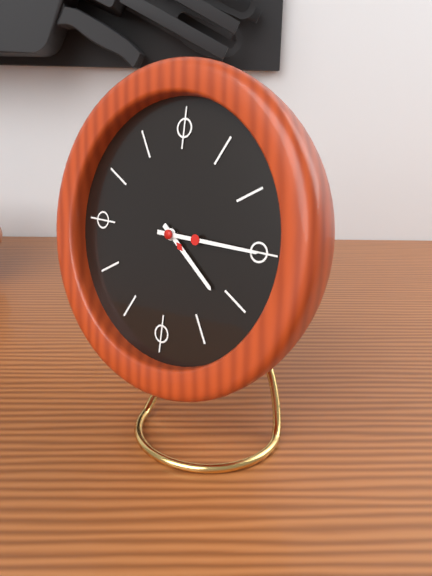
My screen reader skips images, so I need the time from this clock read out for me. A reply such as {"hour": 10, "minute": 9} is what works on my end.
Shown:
{"hour": 4, "minute": 15}
